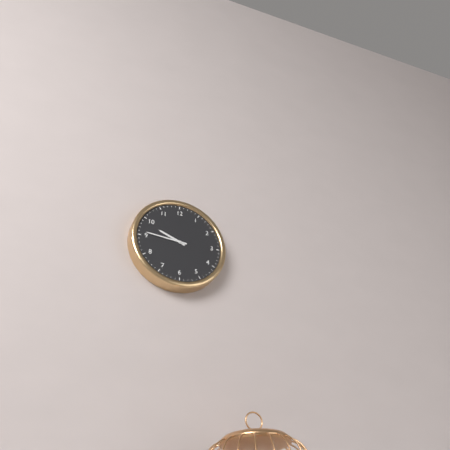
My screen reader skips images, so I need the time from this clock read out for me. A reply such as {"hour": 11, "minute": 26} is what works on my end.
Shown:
{"hour": 9, "minute": 46}
